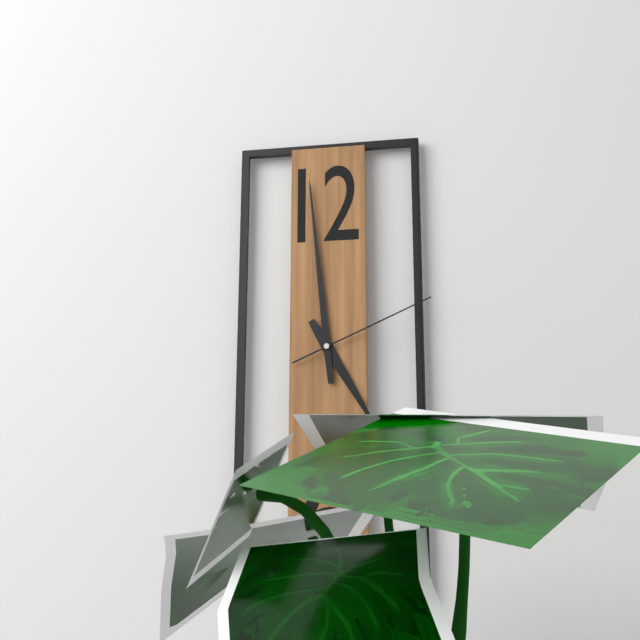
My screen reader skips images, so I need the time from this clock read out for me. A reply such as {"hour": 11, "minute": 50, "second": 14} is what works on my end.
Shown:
{"hour": 4, "minute": 59, "second": 11}
